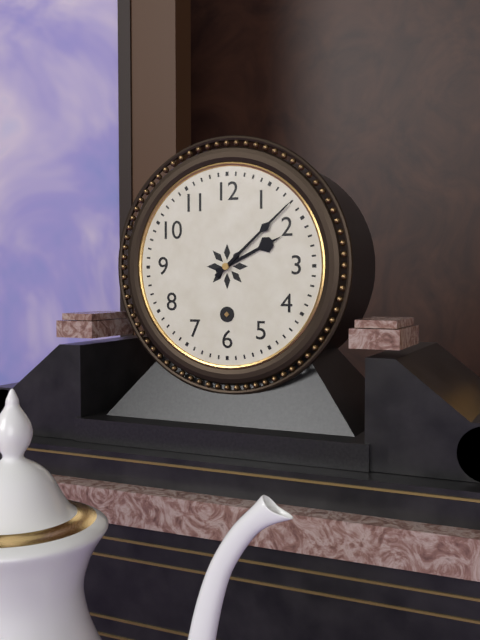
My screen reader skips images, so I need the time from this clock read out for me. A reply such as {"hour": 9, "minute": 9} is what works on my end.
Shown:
{"hour": 2, "minute": 8}
